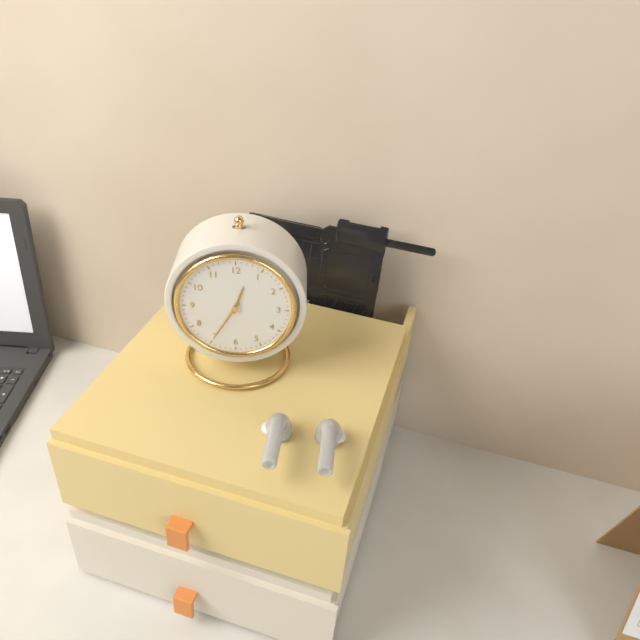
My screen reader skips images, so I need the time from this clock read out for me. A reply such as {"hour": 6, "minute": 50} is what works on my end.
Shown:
{"hour": 12, "minute": 35}
